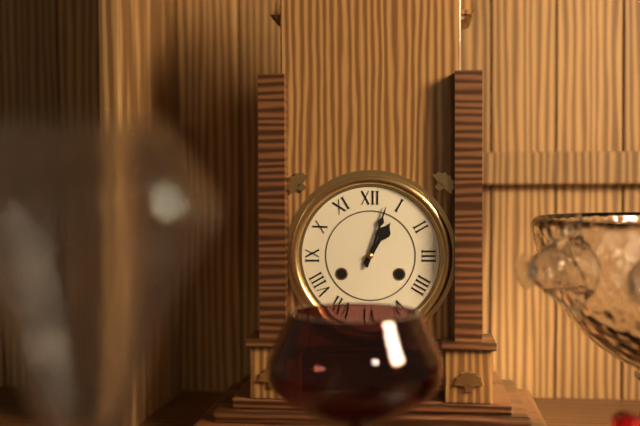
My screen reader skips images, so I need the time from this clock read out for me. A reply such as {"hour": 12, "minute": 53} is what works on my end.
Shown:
{"hour": 1, "minute": 3}
